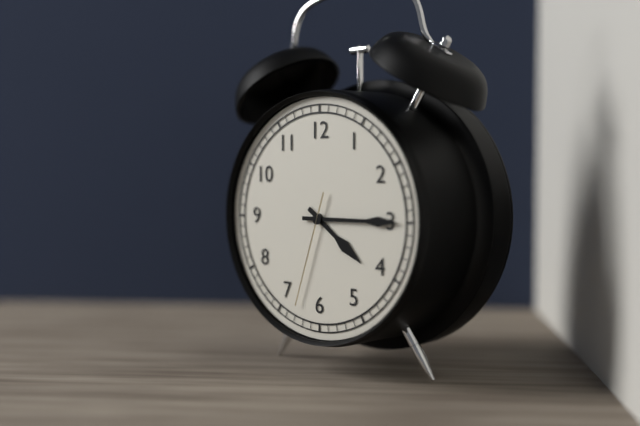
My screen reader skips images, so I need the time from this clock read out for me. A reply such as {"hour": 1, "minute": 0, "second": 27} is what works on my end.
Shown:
{"hour": 4, "minute": 15, "second": 33}
